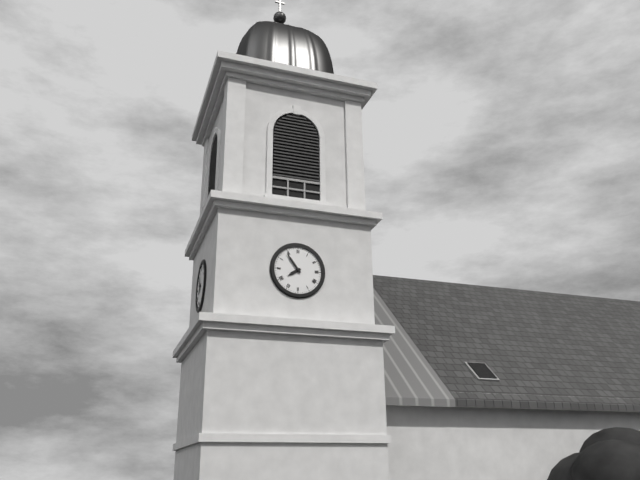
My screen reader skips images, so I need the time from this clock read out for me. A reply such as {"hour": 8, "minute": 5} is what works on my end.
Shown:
{"hour": 7, "minute": 54}
